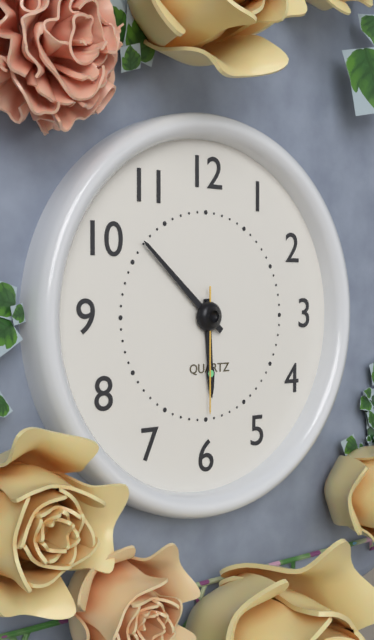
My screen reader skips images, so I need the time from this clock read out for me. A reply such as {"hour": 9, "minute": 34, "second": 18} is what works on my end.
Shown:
{"hour": 5, "minute": 52, "second": 30}
